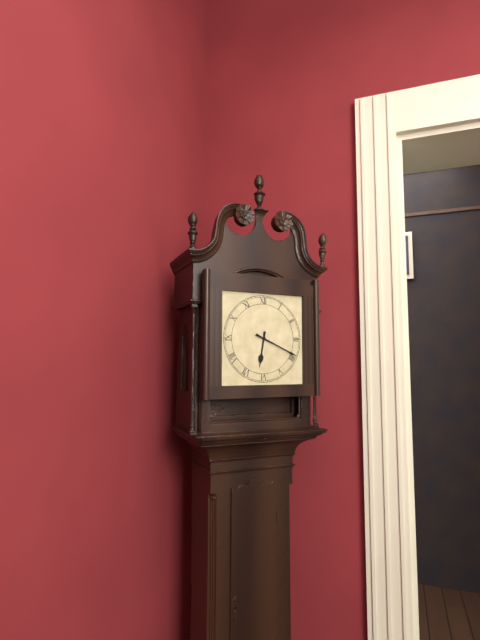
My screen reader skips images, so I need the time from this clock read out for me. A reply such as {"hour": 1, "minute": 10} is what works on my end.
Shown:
{"hour": 6, "minute": 19}
